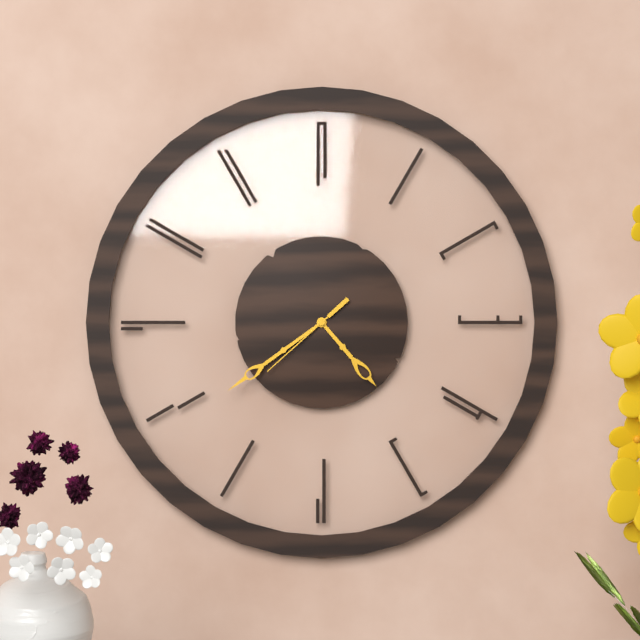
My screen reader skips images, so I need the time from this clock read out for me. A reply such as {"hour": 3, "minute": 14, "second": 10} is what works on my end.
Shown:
{"hour": 4, "minute": 39, "second": 38}
